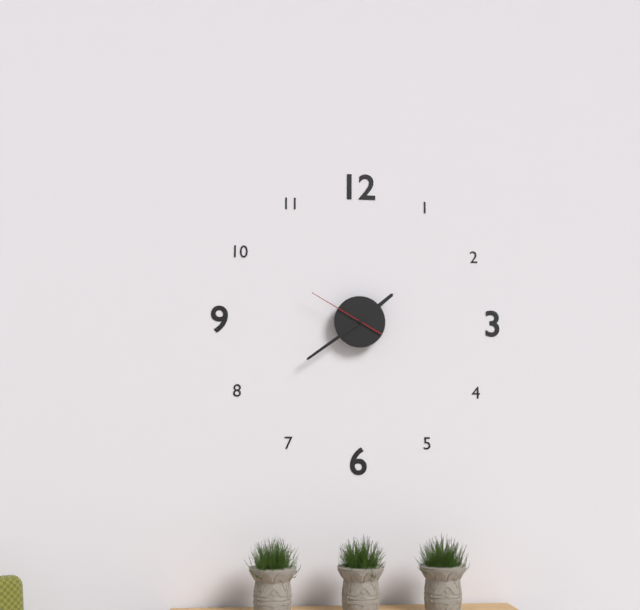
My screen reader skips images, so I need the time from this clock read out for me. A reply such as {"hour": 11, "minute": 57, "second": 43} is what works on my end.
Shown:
{"hour": 1, "minute": 39, "second": 50}
